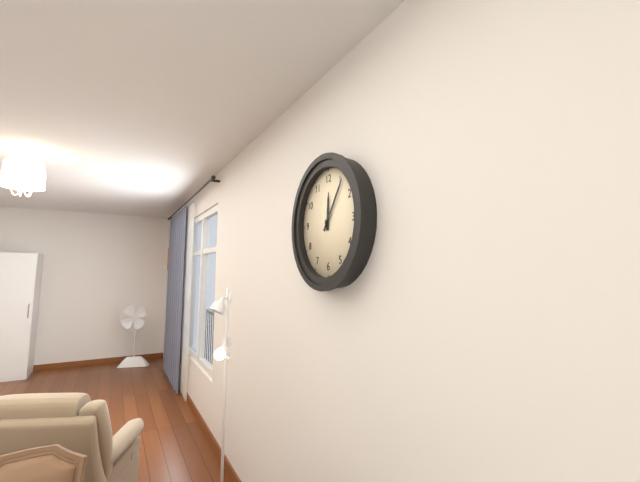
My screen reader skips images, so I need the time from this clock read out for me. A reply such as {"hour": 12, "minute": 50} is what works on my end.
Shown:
{"hour": 12, "minute": 6}
